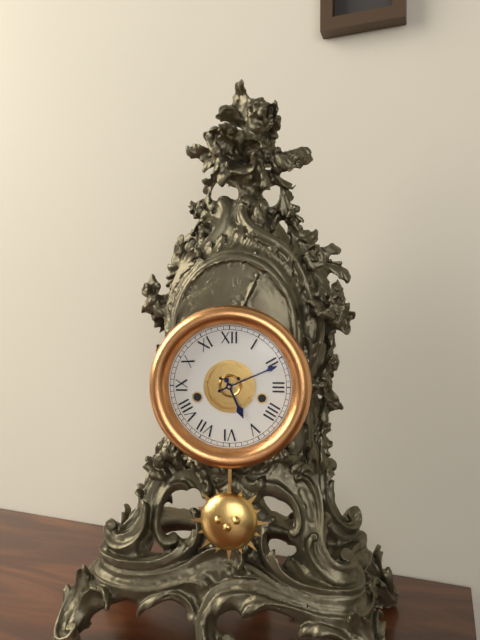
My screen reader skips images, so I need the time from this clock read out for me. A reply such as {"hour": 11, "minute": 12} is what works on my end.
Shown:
{"hour": 5, "minute": 11}
